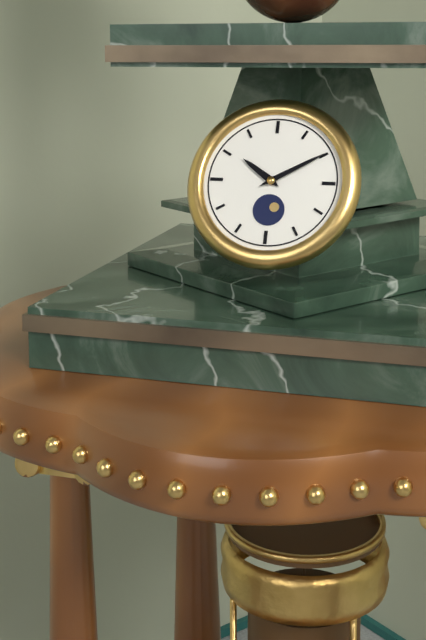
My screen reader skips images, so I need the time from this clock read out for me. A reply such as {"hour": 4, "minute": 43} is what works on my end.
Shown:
{"hour": 10, "minute": 10}
